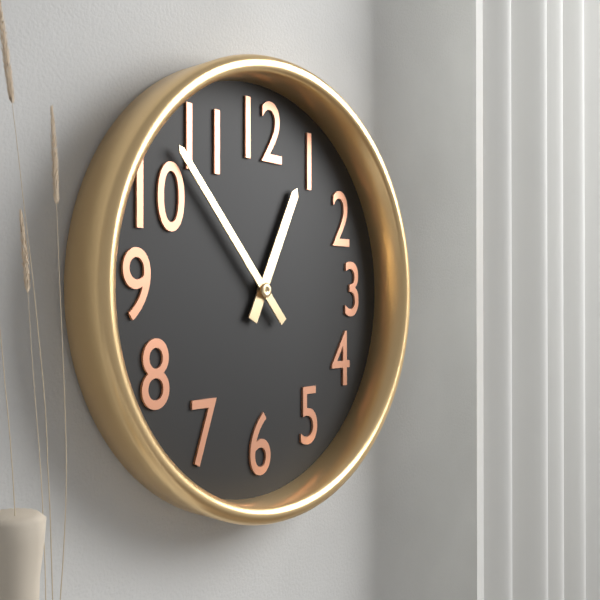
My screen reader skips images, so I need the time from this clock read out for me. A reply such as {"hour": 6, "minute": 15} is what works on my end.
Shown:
{"hour": 12, "minute": 53}
